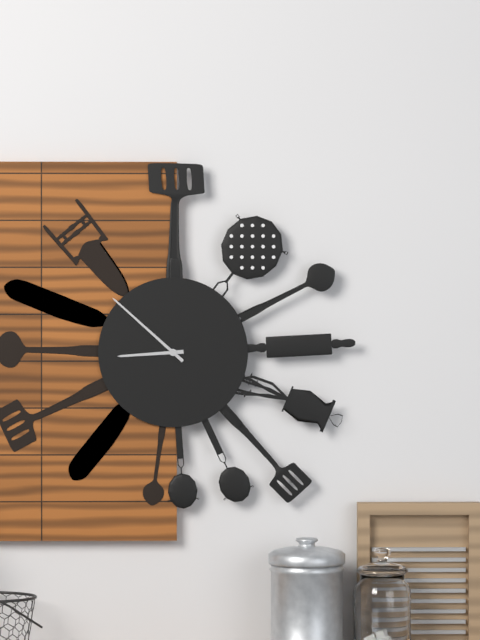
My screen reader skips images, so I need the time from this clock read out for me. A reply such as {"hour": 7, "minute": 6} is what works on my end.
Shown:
{"hour": 8, "minute": 52}
